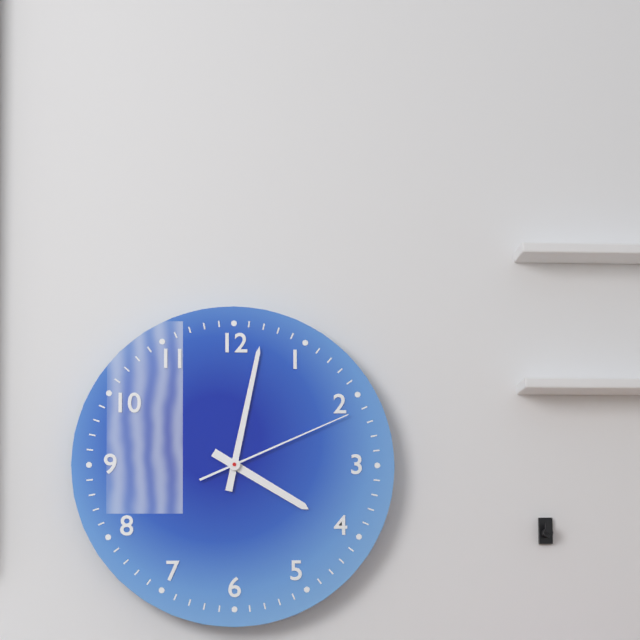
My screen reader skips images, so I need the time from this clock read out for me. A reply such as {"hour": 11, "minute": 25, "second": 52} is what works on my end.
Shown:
{"hour": 4, "minute": 2, "second": 11}
